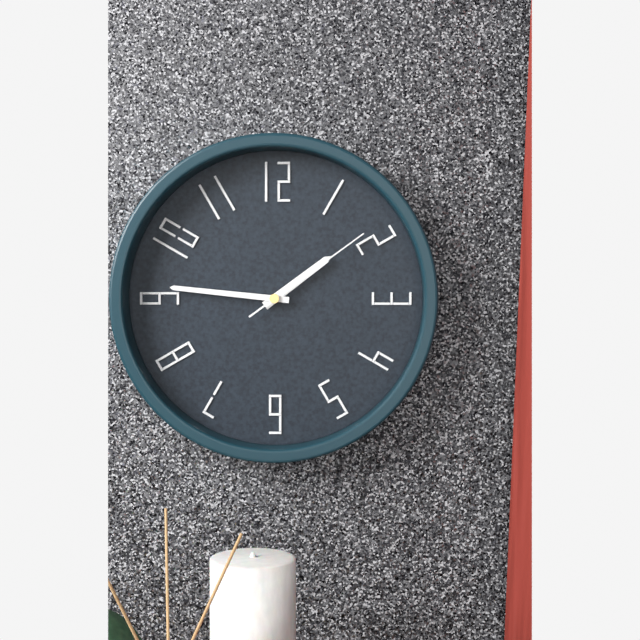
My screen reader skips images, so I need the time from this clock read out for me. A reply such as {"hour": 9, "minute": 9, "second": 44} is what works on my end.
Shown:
{"hour": 1, "minute": 46, "second": 9}
